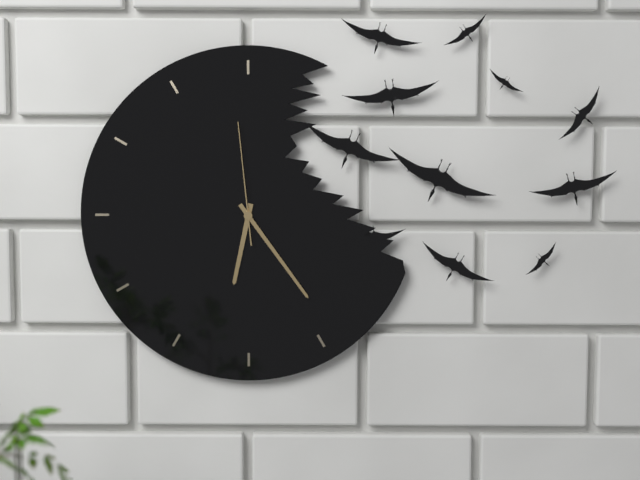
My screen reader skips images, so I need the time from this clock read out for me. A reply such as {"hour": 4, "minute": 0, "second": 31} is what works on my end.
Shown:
{"hour": 6, "minute": 24, "second": 59}
